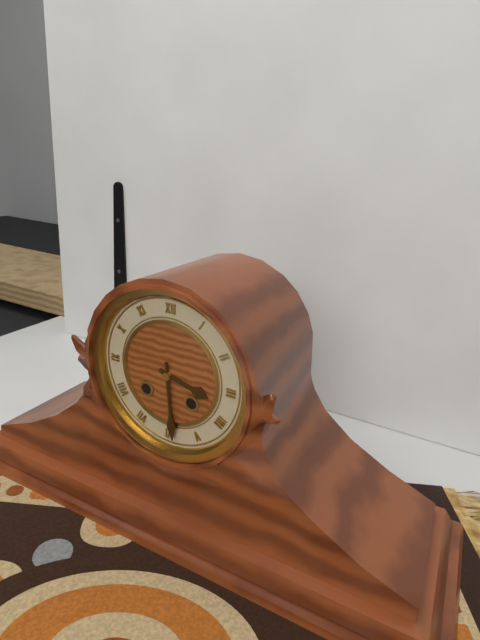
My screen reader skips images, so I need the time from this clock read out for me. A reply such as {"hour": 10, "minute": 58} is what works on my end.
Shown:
{"hour": 3, "minute": 29}
